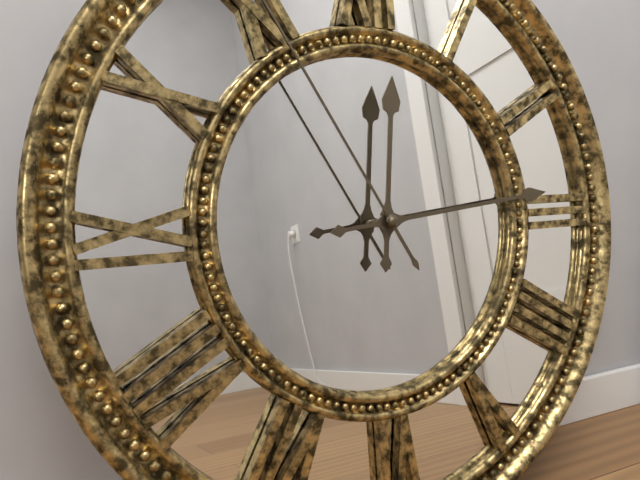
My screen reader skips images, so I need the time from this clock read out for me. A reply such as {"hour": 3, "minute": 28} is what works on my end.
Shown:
{"hour": 12, "minute": 14}
